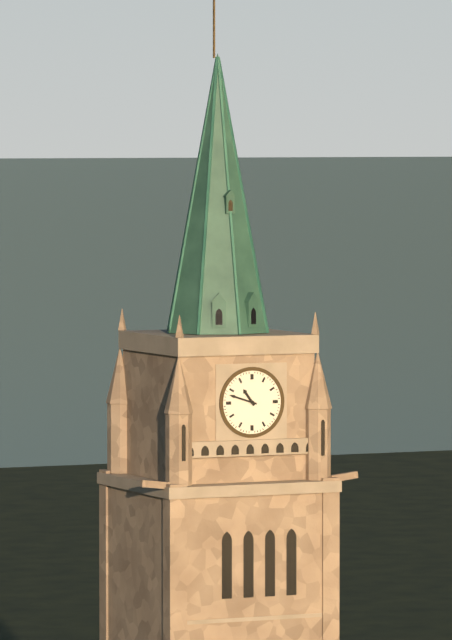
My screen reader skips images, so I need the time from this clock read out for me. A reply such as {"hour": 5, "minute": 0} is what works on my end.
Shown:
{"hour": 10, "minute": 48}
